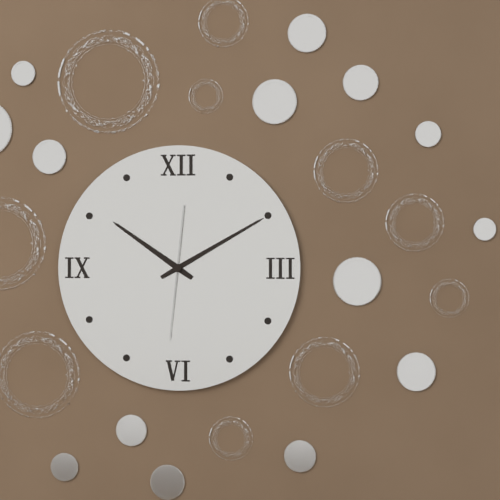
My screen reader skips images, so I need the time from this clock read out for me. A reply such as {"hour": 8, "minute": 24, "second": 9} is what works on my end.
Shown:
{"hour": 10, "minute": 10, "second": 31}
